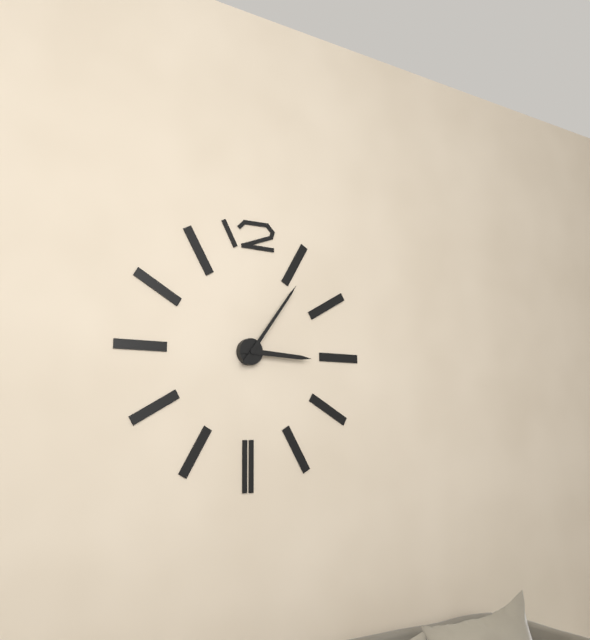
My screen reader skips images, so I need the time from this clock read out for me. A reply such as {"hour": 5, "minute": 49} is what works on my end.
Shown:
{"hour": 3, "minute": 6}
